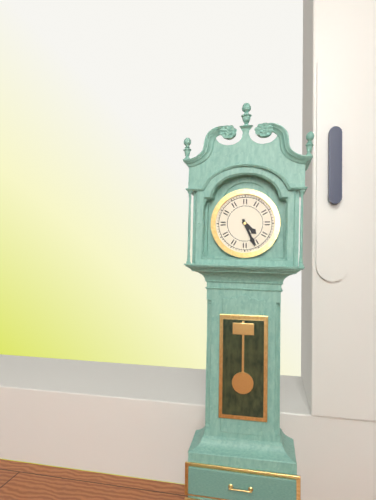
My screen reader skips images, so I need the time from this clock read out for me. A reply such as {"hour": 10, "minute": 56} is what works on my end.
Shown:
{"hour": 4, "minute": 26}
